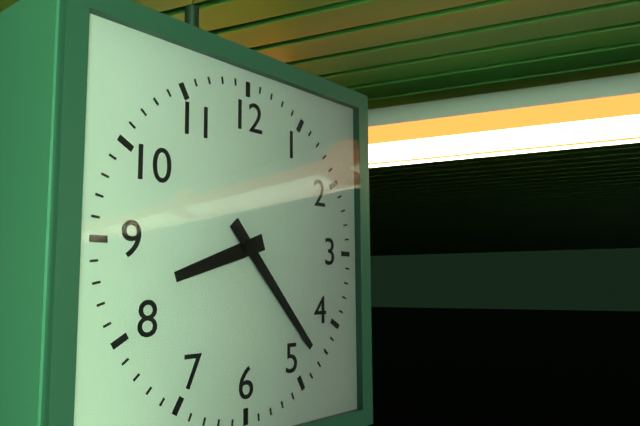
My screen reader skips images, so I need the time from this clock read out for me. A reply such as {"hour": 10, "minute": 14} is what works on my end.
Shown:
{"hour": 8, "minute": 23}
